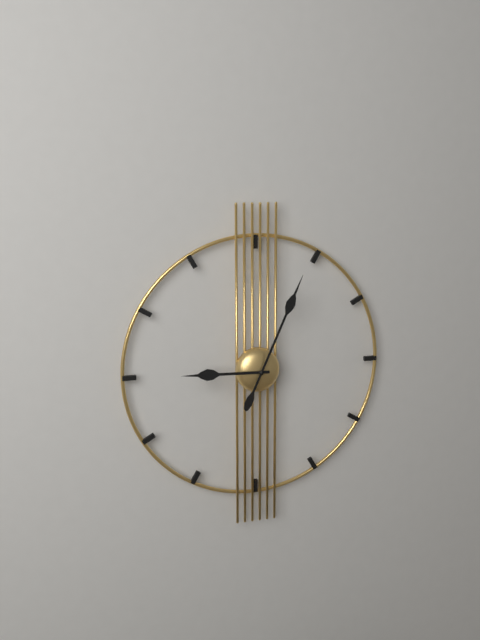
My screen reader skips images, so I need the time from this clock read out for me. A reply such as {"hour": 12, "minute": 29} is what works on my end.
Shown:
{"hour": 9, "minute": 4}
